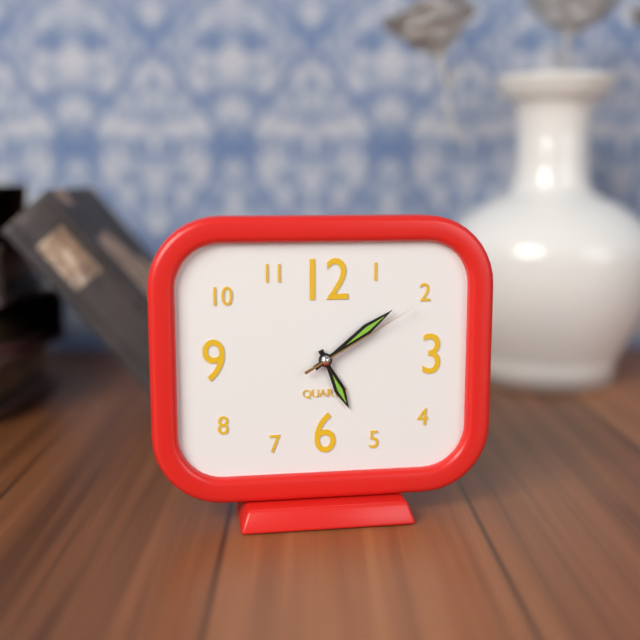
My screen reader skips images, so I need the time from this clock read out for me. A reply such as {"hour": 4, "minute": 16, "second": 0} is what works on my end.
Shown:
{"hour": 5, "minute": 9, "second": 10}
